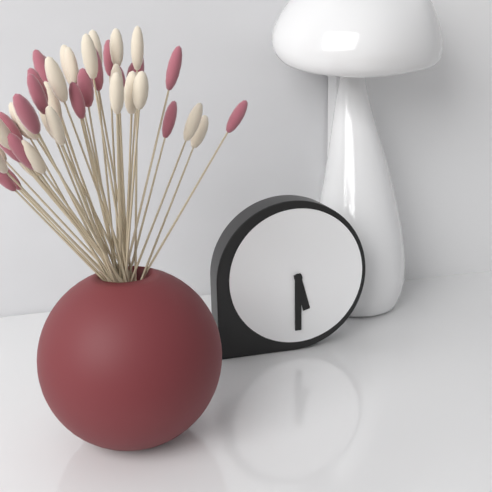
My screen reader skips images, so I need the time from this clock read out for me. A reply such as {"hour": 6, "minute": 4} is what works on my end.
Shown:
{"hour": 5, "minute": 30}
